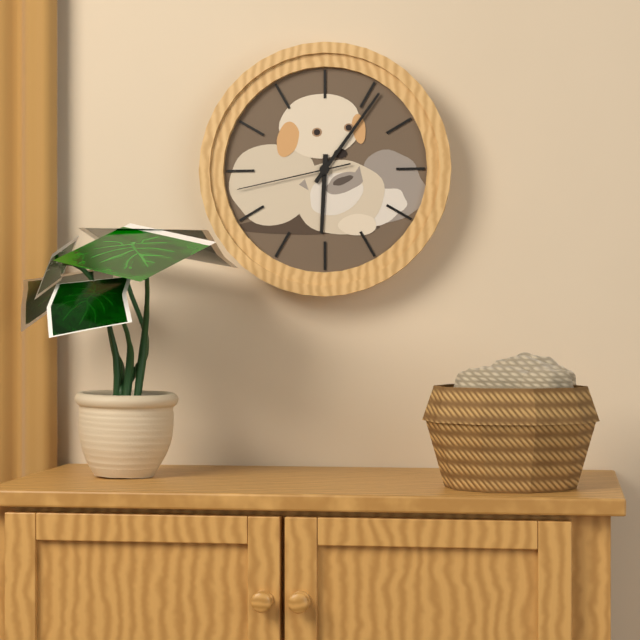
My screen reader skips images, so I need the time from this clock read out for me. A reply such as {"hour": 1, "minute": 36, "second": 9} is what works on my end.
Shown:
{"hour": 6, "minute": 6, "second": 43}
